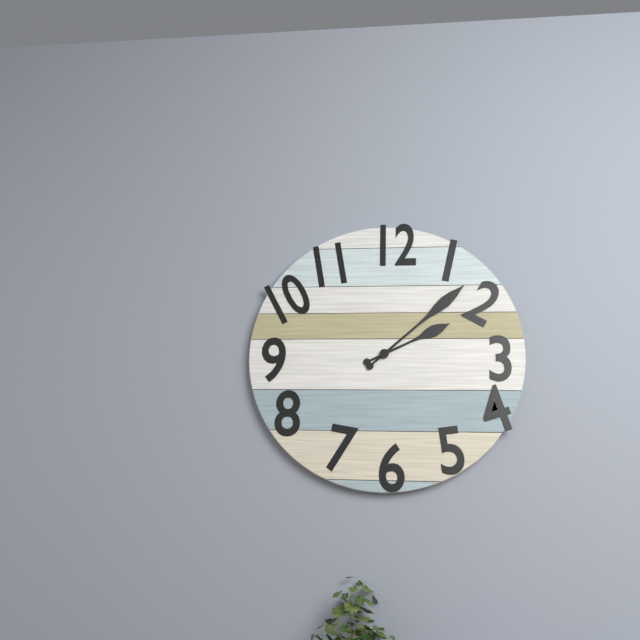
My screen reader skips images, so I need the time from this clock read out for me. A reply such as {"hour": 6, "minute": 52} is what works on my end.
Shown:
{"hour": 2, "minute": 8}
